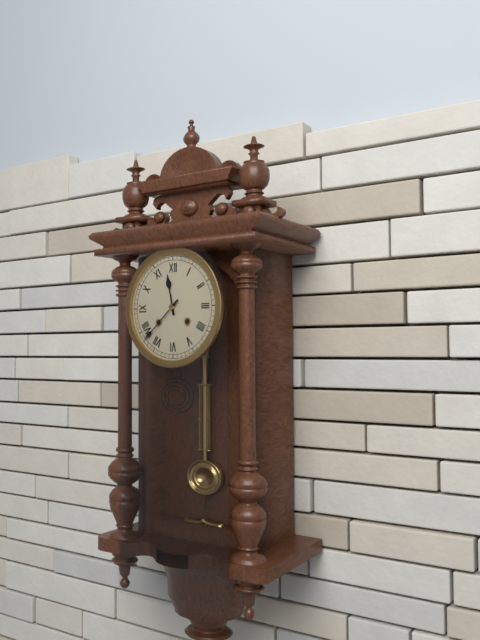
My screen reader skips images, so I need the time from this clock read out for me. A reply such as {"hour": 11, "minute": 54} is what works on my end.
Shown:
{"hour": 11, "minute": 38}
